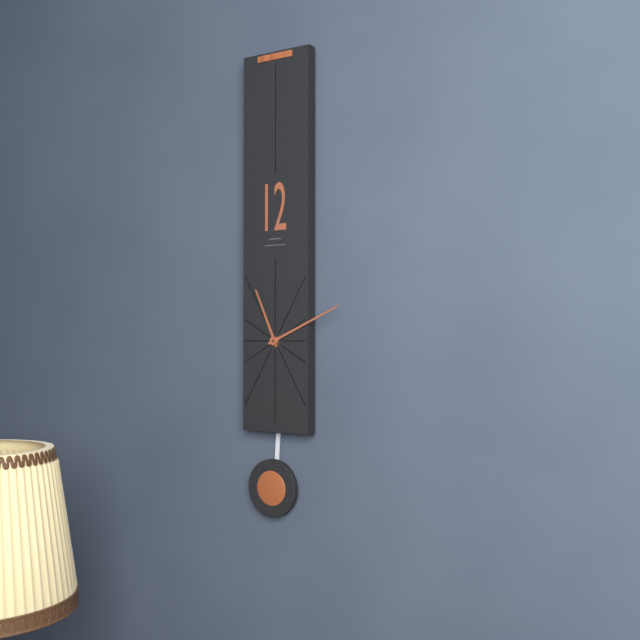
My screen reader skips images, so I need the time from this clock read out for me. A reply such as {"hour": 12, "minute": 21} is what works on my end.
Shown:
{"hour": 11, "minute": 11}
